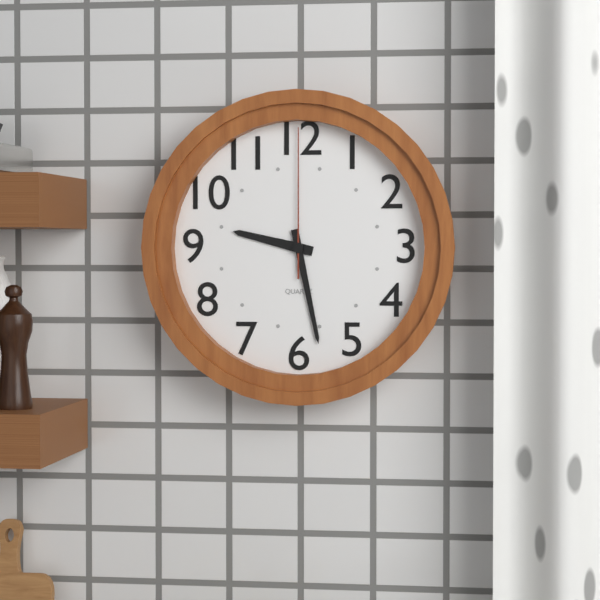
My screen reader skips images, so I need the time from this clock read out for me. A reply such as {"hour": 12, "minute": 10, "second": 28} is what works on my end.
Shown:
{"hour": 9, "minute": 28, "second": 0}
